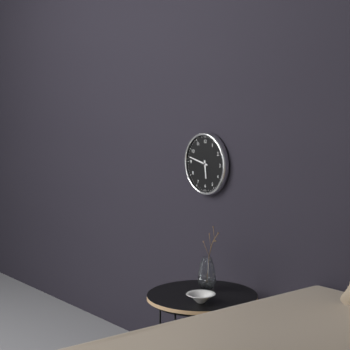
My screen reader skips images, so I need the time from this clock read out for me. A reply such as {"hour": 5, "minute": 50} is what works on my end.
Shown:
{"hour": 5, "minute": 47}
